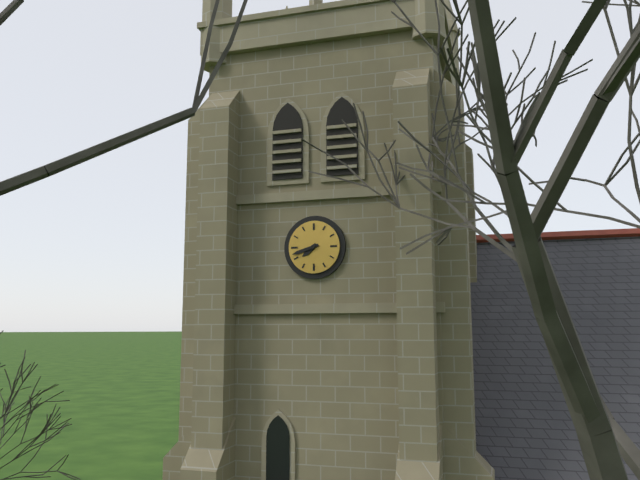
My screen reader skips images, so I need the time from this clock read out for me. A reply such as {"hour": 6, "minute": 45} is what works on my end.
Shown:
{"hour": 7, "minute": 42}
